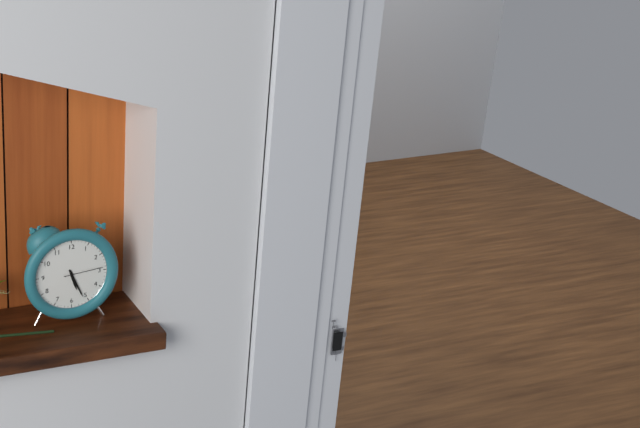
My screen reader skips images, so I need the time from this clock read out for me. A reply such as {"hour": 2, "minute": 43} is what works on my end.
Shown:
{"hour": 5, "minute": 26}
